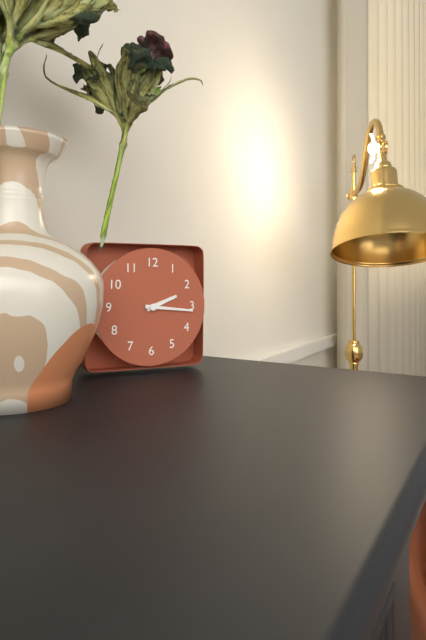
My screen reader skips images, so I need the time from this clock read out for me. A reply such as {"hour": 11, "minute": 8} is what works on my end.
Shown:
{"hour": 2, "minute": 16}
